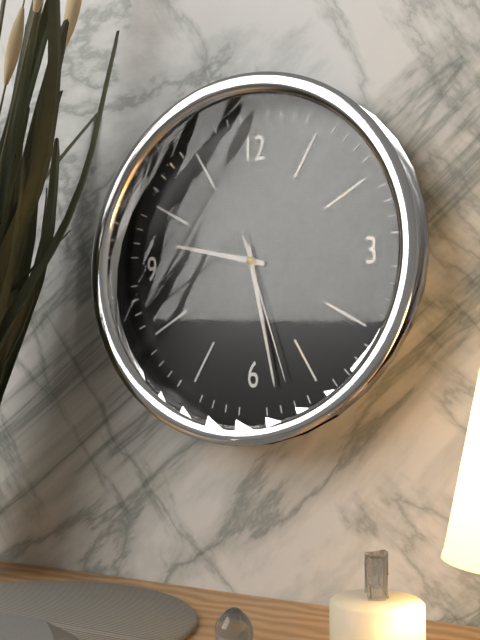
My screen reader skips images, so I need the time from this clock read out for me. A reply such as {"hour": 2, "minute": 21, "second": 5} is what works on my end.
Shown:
{"hour": 9, "minute": 28, "second": 27}
